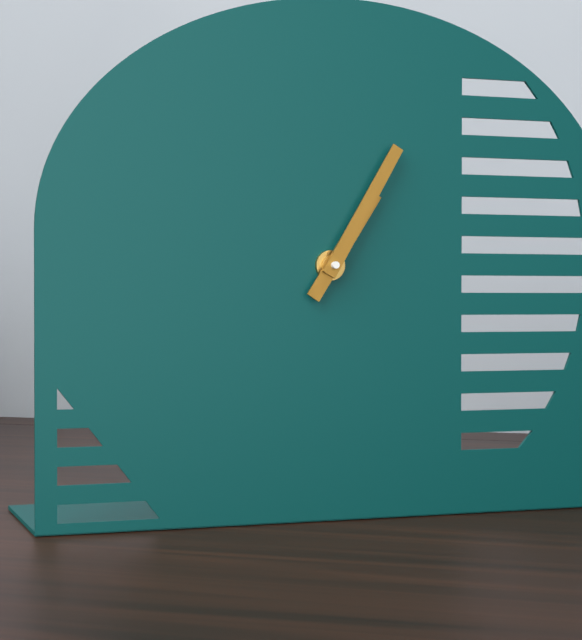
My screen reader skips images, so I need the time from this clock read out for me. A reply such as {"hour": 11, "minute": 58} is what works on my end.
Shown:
{"hour": 1, "minute": 5}
